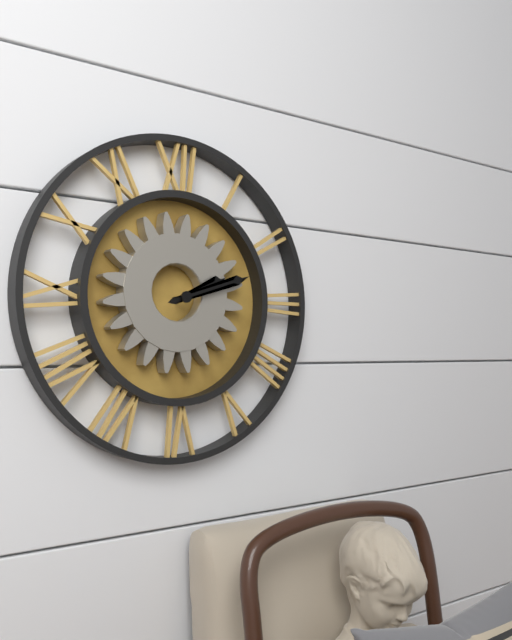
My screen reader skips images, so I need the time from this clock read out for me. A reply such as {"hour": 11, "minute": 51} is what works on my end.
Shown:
{"hour": 2, "minute": 12}
